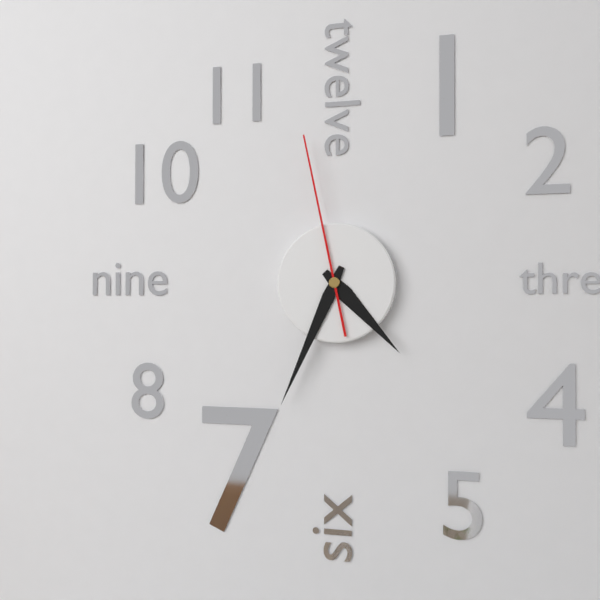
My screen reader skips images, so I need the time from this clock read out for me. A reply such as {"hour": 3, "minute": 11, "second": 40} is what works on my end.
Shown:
{"hour": 4, "minute": 34, "second": 58}
